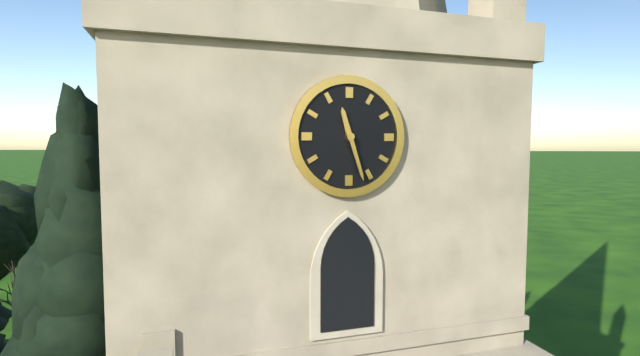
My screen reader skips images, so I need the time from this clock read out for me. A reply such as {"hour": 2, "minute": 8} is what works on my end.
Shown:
{"hour": 11, "minute": 27}
